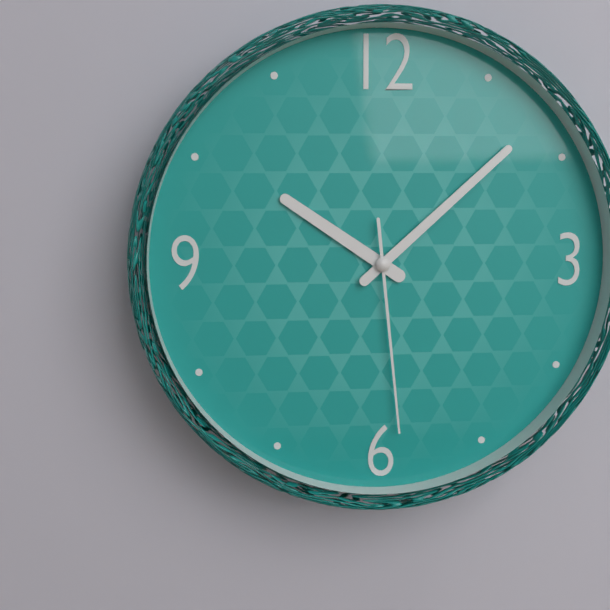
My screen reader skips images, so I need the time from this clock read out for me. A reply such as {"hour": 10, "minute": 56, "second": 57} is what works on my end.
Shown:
{"hour": 10, "minute": 8, "second": 29}
